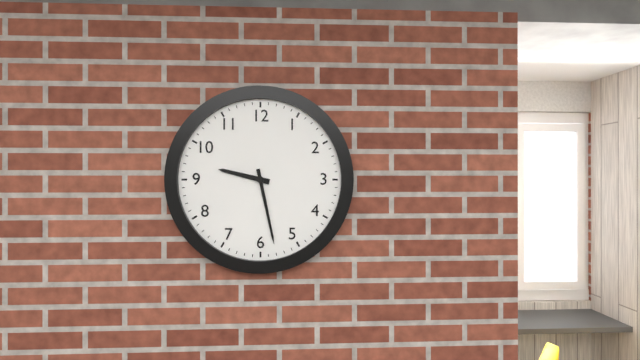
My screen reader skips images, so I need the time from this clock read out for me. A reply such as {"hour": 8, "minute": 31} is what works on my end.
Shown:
{"hour": 9, "minute": 28}
